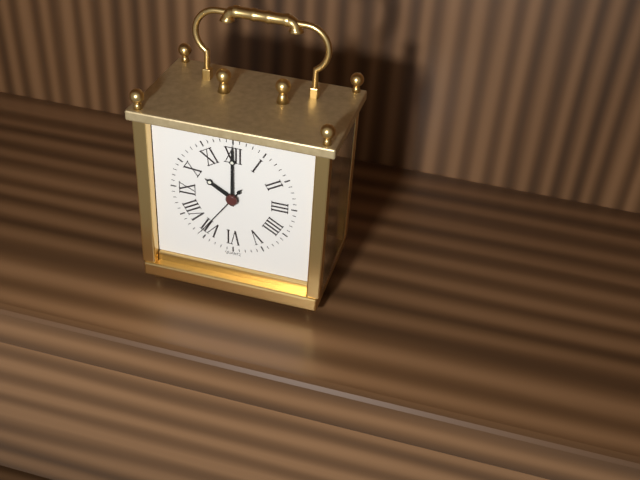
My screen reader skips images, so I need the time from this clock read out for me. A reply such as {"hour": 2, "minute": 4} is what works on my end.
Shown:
{"hour": 10, "minute": 0}
